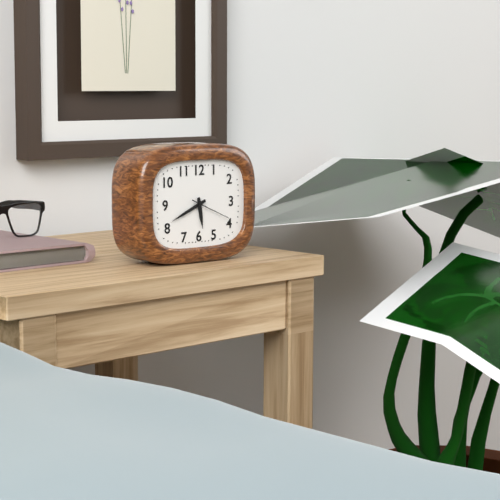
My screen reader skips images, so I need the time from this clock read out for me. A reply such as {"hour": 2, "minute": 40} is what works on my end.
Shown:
{"hour": 5, "minute": 41}
